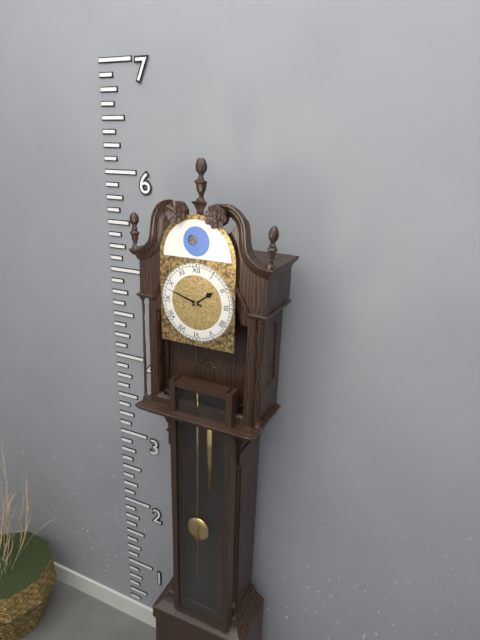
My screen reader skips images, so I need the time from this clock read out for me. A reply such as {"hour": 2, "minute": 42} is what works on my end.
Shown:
{"hour": 1, "minute": 48}
